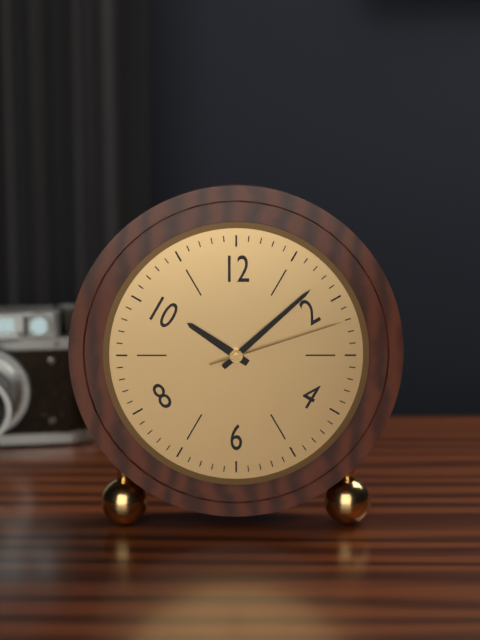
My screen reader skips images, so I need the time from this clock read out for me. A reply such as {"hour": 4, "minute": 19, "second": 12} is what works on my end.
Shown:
{"hour": 10, "minute": 8, "second": 12}
